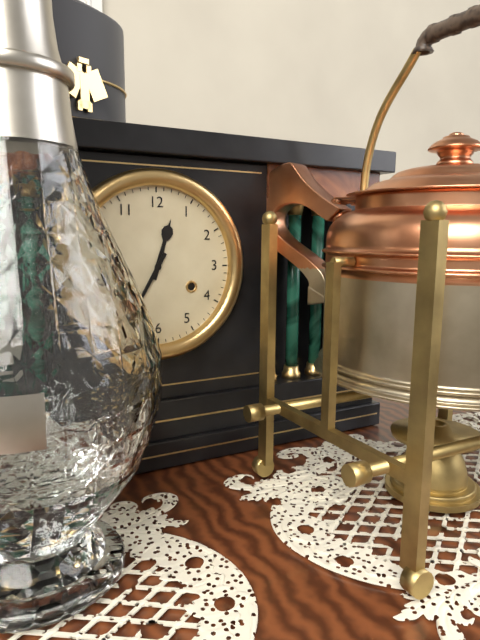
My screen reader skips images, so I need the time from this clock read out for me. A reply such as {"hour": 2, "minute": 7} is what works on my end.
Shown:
{"hour": 12, "minute": 35}
